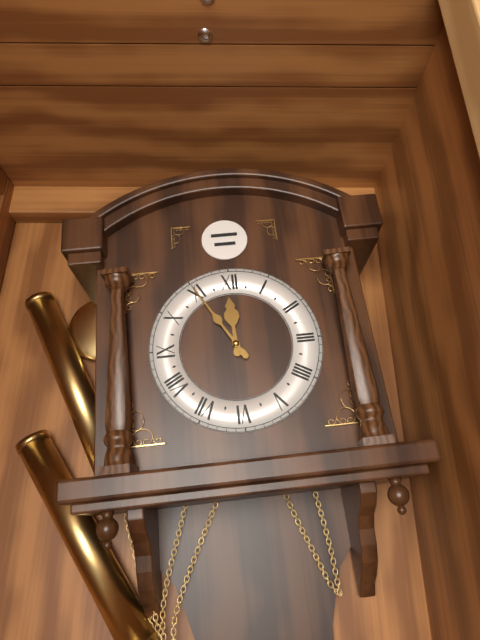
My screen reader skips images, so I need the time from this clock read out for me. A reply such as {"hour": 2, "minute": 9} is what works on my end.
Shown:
{"hour": 11, "minute": 55}
